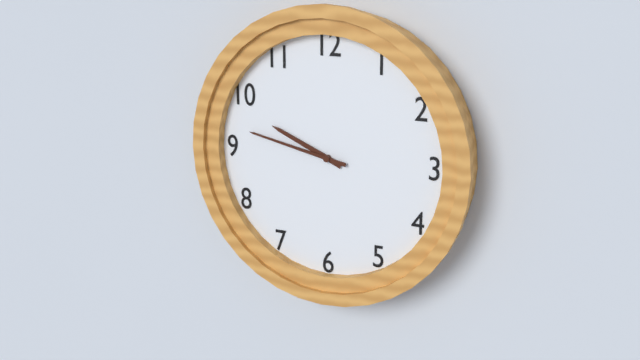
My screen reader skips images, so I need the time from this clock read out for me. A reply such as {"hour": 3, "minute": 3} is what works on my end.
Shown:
{"hour": 9, "minute": 47}
